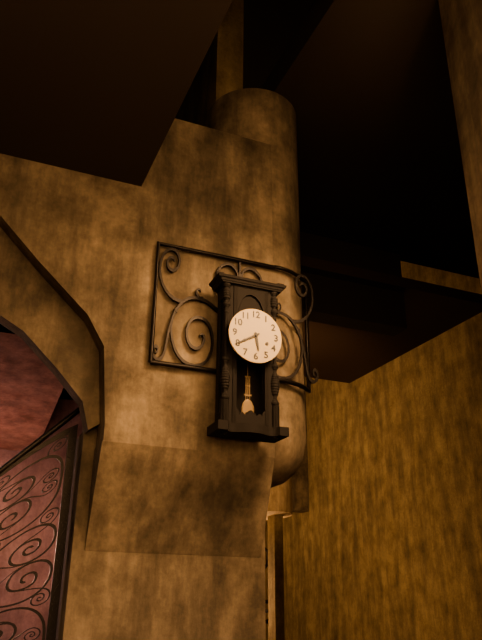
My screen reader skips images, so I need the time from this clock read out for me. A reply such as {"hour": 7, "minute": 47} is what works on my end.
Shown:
{"hour": 5, "minute": 40}
